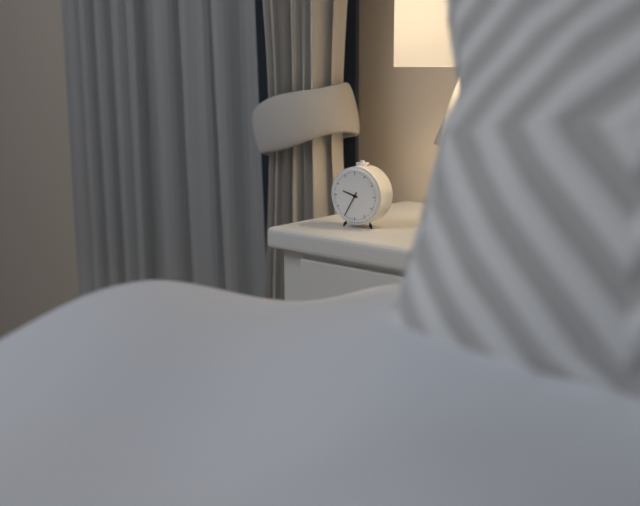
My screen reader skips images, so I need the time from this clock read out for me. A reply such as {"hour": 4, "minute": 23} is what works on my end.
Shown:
{"hour": 9, "minute": 35}
